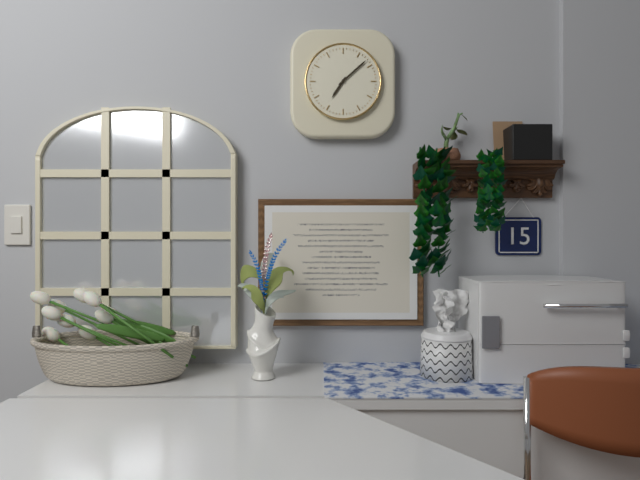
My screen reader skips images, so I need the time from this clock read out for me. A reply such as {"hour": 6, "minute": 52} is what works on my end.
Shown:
{"hour": 7, "minute": 8}
